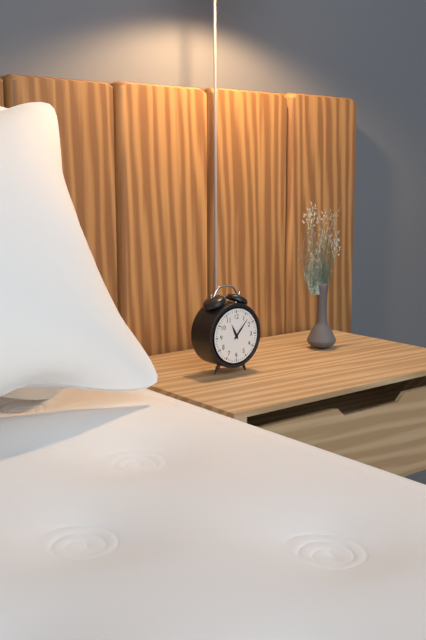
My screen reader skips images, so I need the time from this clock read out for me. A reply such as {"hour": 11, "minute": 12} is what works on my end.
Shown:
{"hour": 11, "minute": 7}
